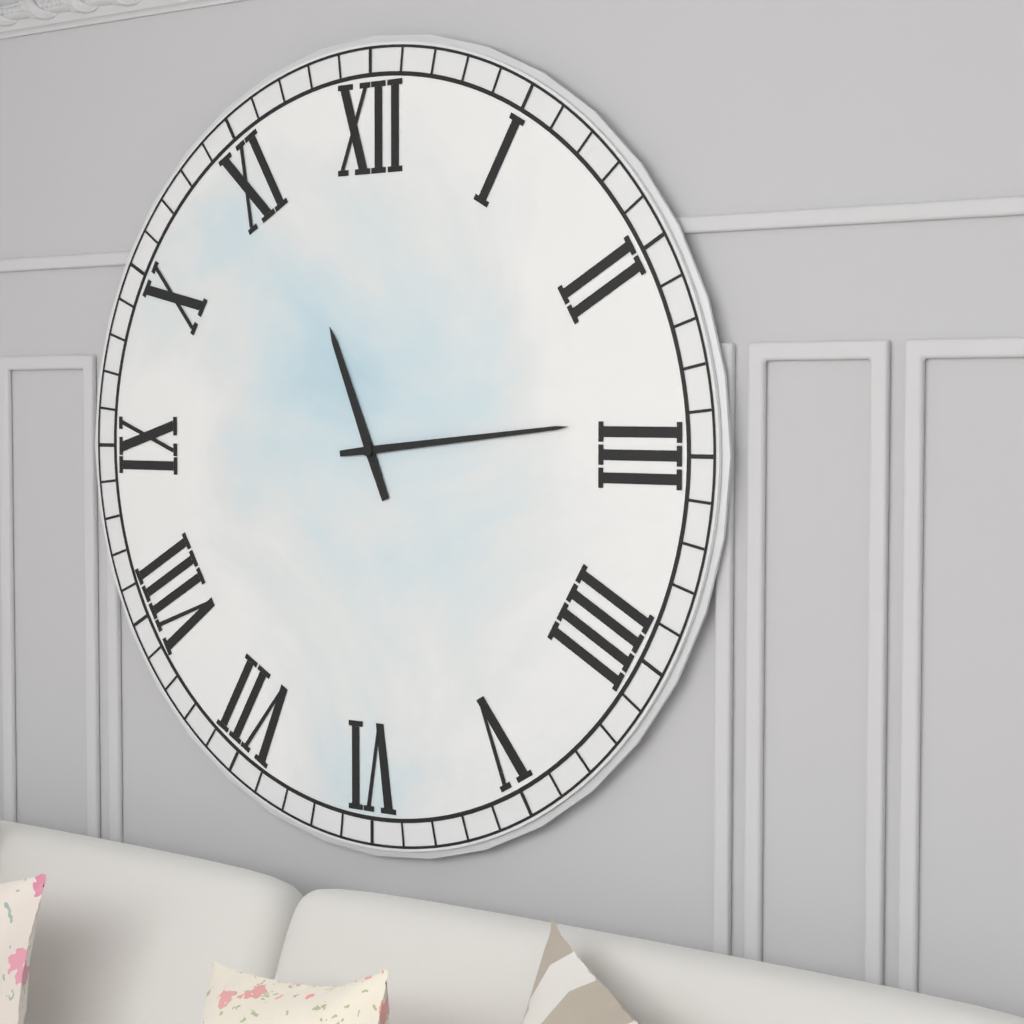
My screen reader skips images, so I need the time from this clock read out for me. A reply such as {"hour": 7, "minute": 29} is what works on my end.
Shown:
{"hour": 11, "minute": 14}
